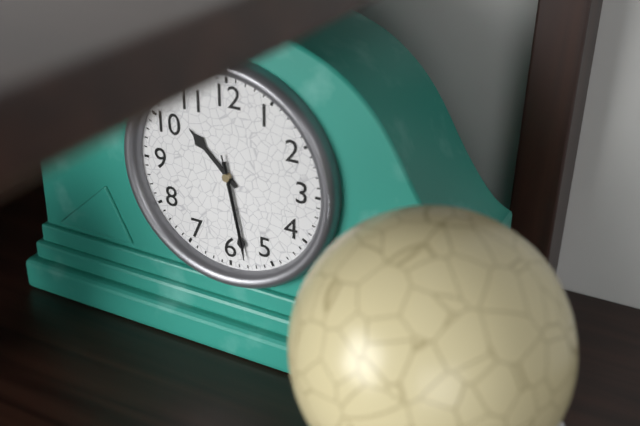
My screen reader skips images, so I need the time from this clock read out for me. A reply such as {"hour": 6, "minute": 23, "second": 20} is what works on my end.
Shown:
{"hour": 10, "minute": 28, "second": 28}
